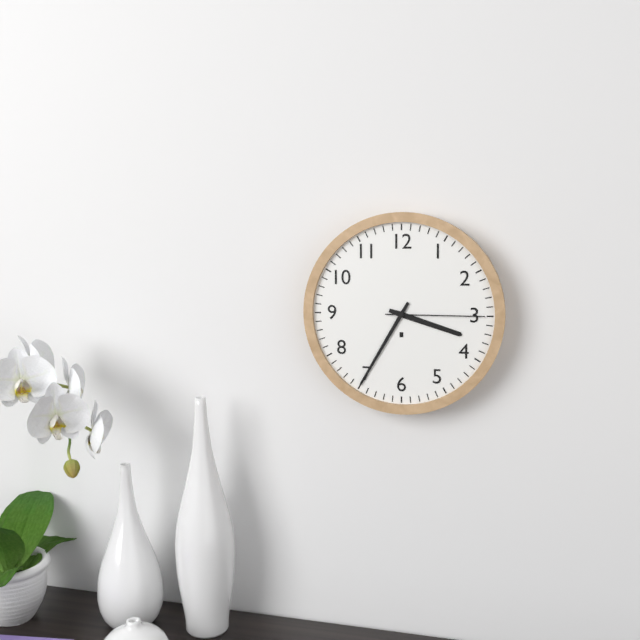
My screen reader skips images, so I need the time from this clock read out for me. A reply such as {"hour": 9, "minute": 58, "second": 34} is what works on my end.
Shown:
{"hour": 3, "minute": 35, "second": 15}
